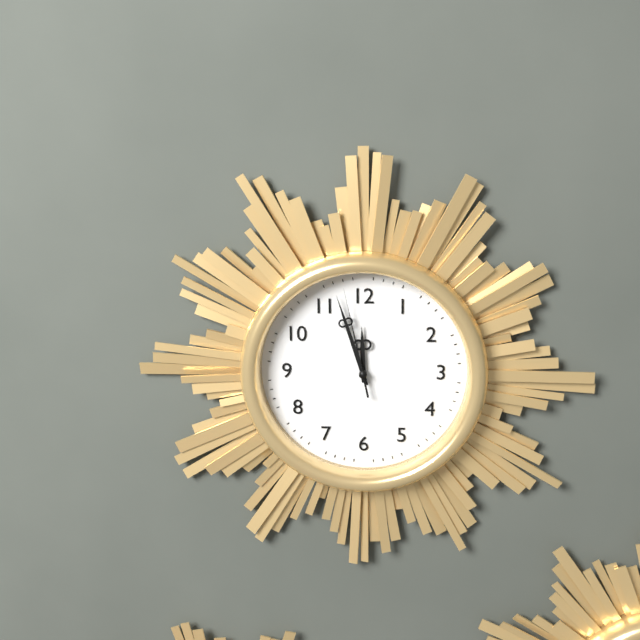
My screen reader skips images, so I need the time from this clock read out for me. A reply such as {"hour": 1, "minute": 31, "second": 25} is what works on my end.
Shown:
{"hour": 11, "minute": 57, "second": 58}
